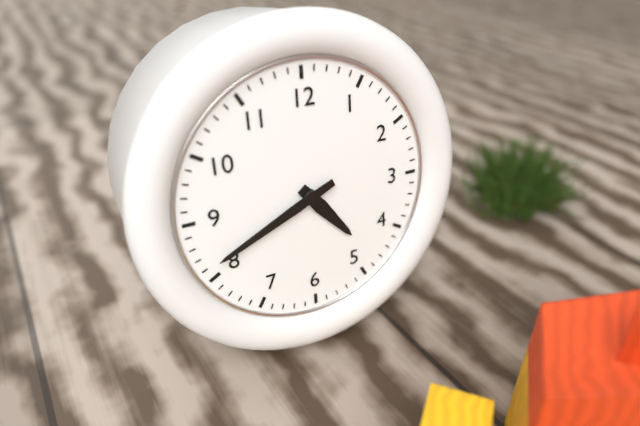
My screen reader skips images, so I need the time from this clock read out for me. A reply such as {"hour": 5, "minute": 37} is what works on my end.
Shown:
{"hour": 4, "minute": 41}
